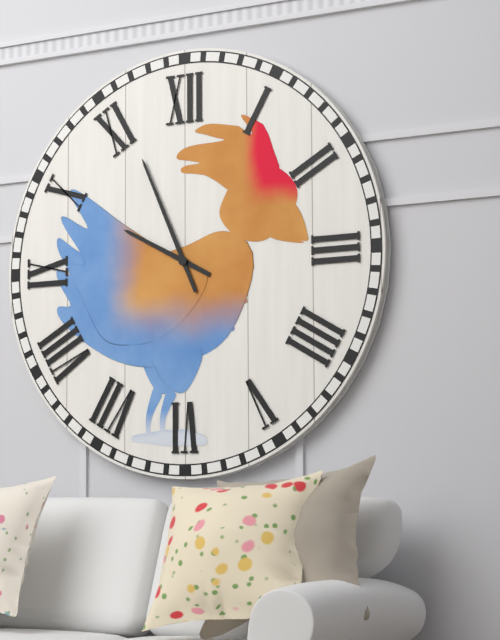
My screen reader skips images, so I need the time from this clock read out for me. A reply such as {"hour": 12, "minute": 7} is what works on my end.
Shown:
{"hour": 9, "minute": 56}
